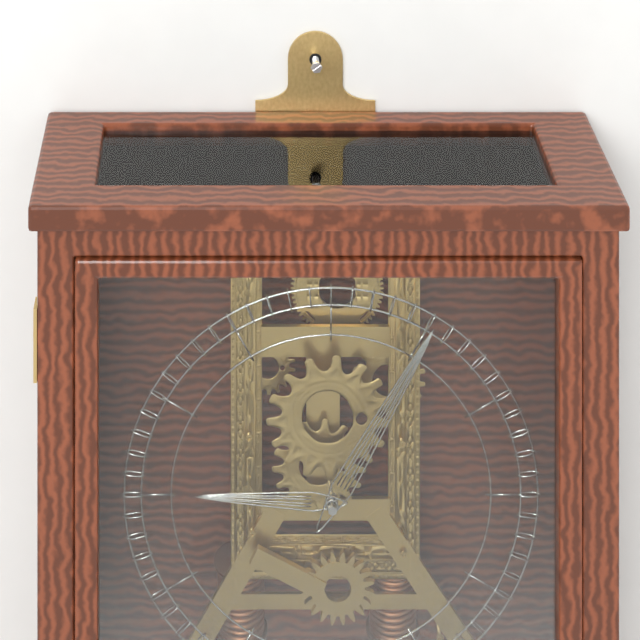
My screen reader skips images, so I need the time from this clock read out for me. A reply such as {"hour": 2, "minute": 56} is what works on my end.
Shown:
{"hour": 9, "minute": 5}
